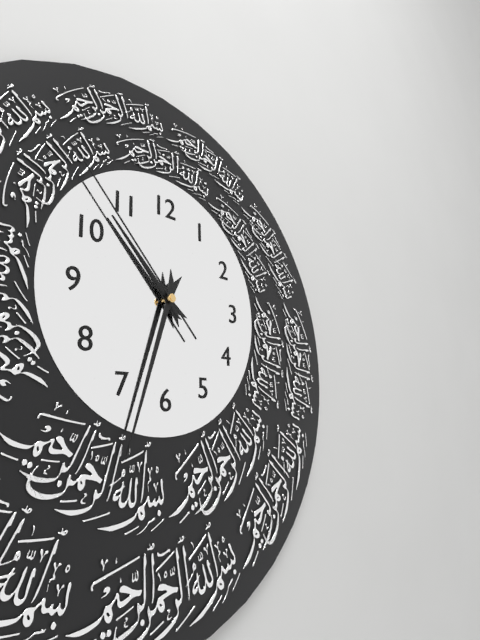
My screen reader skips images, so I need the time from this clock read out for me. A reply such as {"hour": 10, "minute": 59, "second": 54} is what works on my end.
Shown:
{"hour": 10, "minute": 33, "second": 53}
